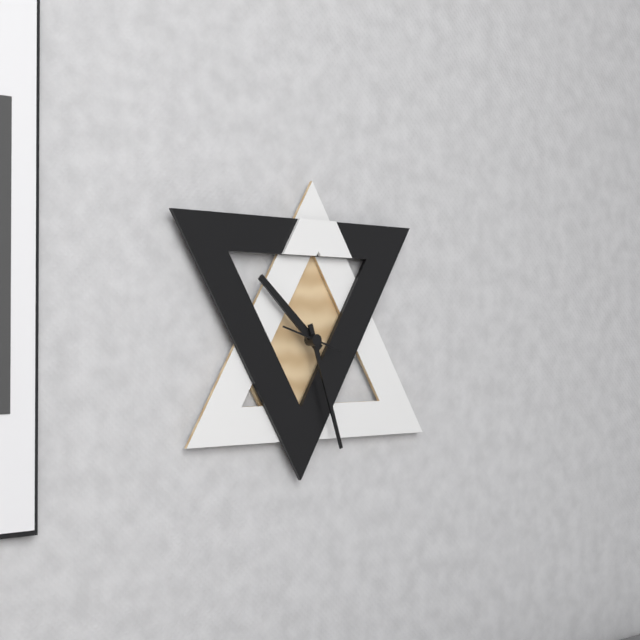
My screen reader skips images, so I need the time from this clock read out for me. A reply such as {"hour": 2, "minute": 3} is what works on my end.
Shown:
{"hour": 10, "minute": 27}
